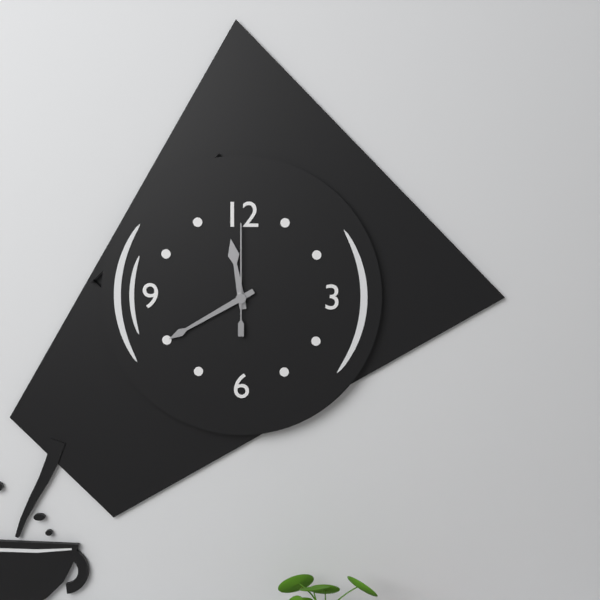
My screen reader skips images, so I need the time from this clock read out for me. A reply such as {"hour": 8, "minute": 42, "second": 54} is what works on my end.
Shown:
{"hour": 11, "minute": 40, "second": 0}
